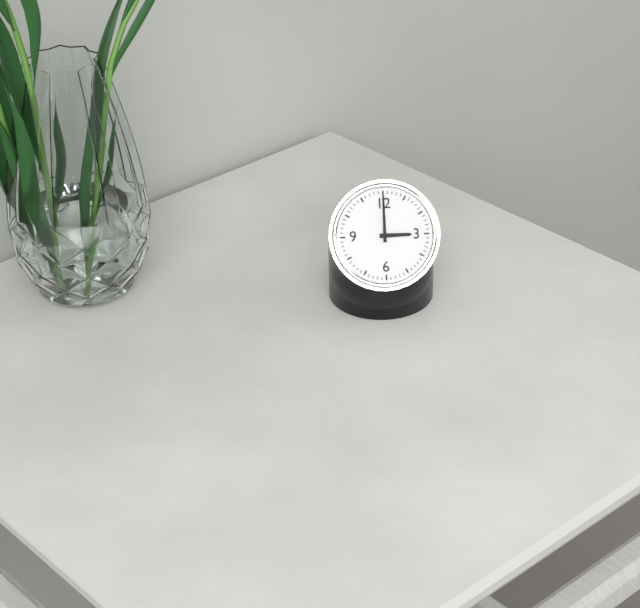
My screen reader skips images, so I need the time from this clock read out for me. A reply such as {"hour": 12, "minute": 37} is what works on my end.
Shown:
{"hour": 3, "minute": 0}
